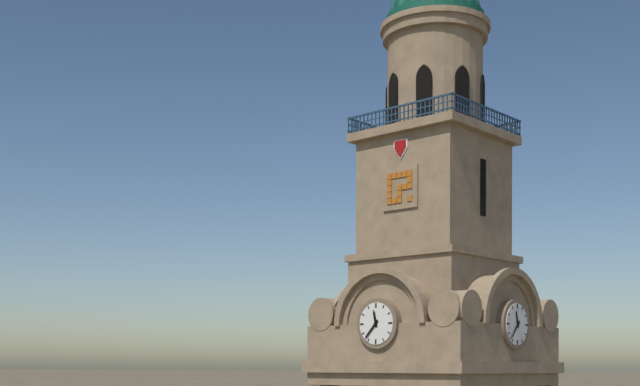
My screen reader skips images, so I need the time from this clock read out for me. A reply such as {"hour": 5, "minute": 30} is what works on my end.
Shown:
{"hour": 11, "minute": 37}
